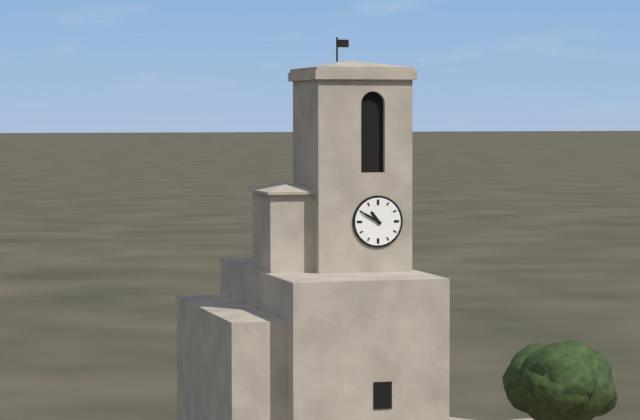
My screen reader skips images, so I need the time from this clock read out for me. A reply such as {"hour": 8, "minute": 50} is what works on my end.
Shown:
{"hour": 10, "minute": 50}
